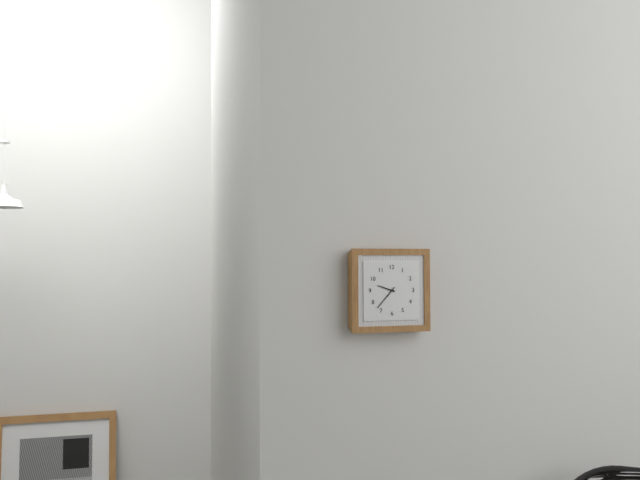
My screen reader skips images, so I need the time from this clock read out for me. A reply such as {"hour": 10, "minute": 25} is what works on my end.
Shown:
{"hour": 9, "minute": 37}
